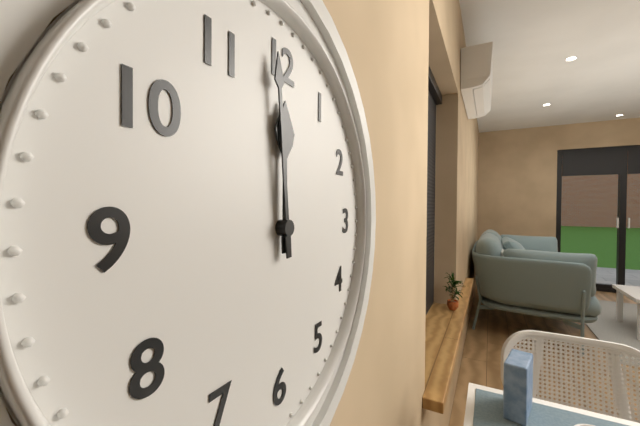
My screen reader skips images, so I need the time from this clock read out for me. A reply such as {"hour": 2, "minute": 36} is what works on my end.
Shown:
{"hour": 11, "minute": 59}
